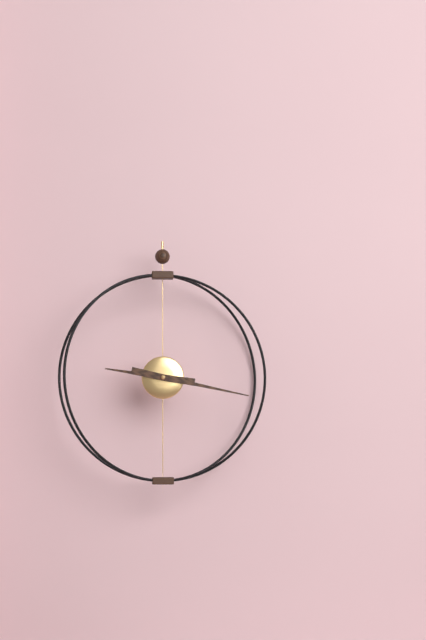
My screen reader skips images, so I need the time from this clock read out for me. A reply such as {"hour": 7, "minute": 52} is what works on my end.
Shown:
{"hour": 9, "minute": 17}
